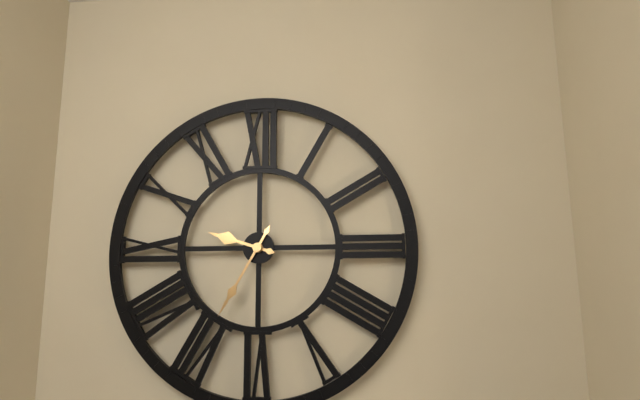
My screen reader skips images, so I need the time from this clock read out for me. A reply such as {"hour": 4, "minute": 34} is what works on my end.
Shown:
{"hour": 9, "minute": 35}
